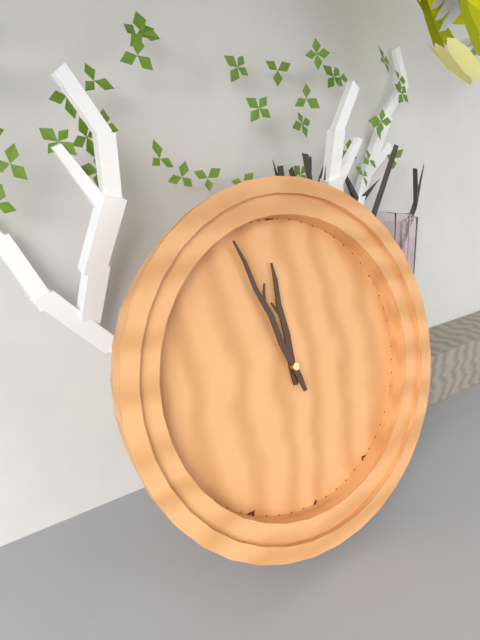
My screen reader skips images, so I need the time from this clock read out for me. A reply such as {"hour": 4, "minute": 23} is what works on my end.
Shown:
{"hour": 11, "minute": 57}
